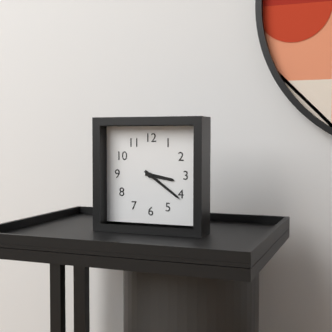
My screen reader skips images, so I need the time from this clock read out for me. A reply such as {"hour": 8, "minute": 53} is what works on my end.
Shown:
{"hour": 3, "minute": 21}
